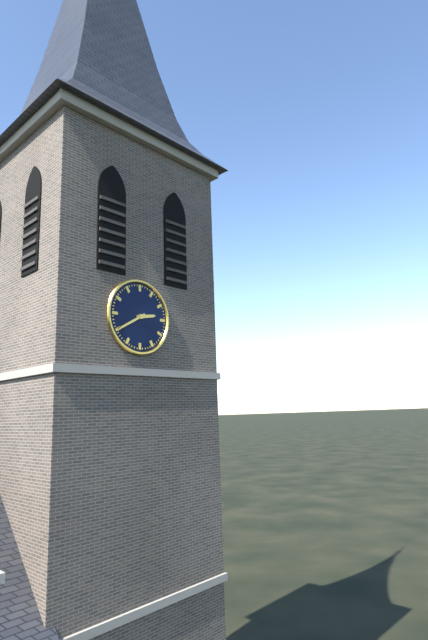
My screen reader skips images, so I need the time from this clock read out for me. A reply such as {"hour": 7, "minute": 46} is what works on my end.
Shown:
{"hour": 2, "minute": 40}
